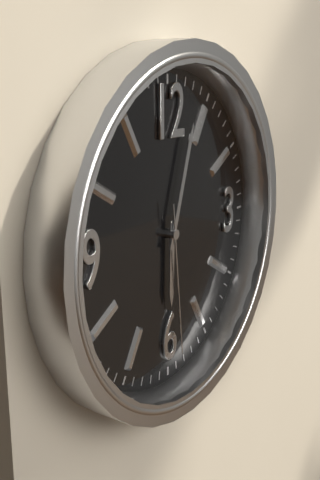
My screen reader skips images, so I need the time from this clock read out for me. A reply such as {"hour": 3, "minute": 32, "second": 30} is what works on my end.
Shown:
{"hour": 6, "minute": 3, "second": 29}
